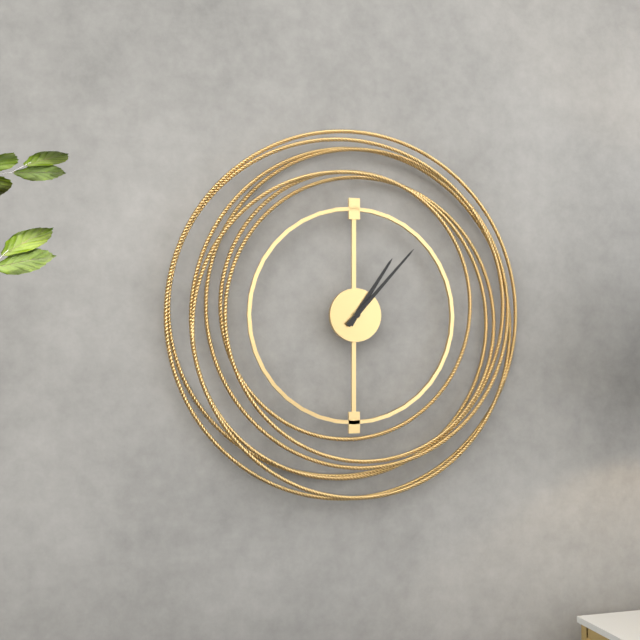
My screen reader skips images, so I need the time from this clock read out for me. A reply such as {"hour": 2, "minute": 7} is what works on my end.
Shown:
{"hour": 1, "minute": 7}
